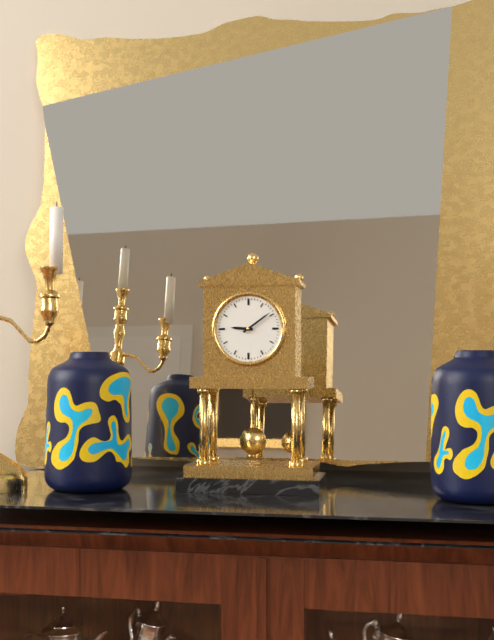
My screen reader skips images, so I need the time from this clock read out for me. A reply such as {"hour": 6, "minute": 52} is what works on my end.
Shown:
{"hour": 9, "minute": 9}
